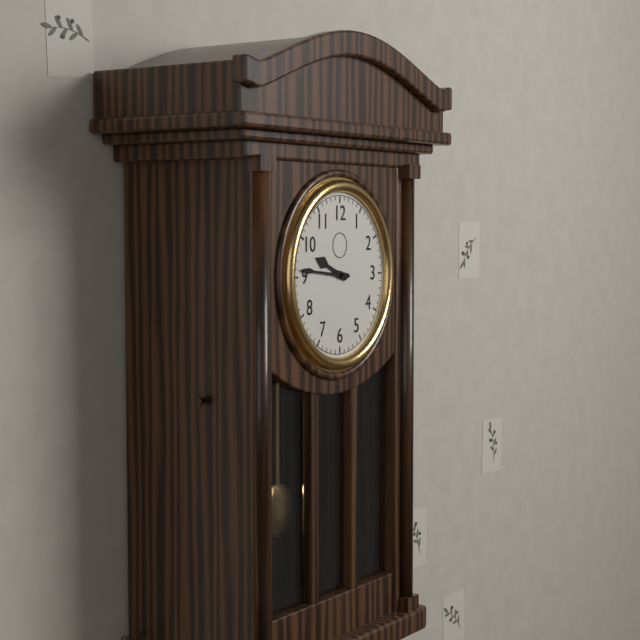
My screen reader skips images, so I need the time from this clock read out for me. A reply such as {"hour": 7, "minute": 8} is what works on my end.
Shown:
{"hour": 9, "minute": 46}
